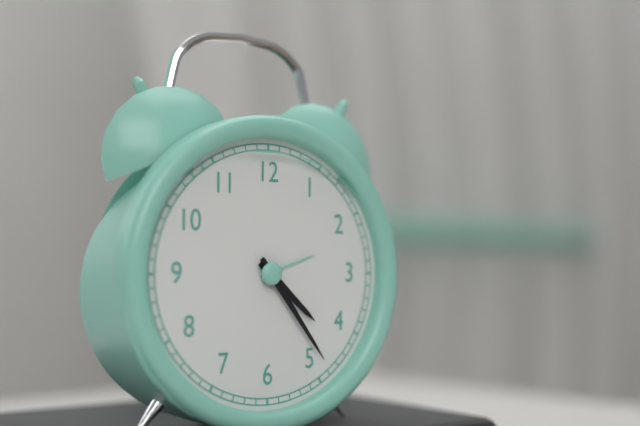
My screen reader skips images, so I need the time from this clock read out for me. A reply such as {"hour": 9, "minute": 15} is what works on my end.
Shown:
{"hour": 4, "minute": 24}
